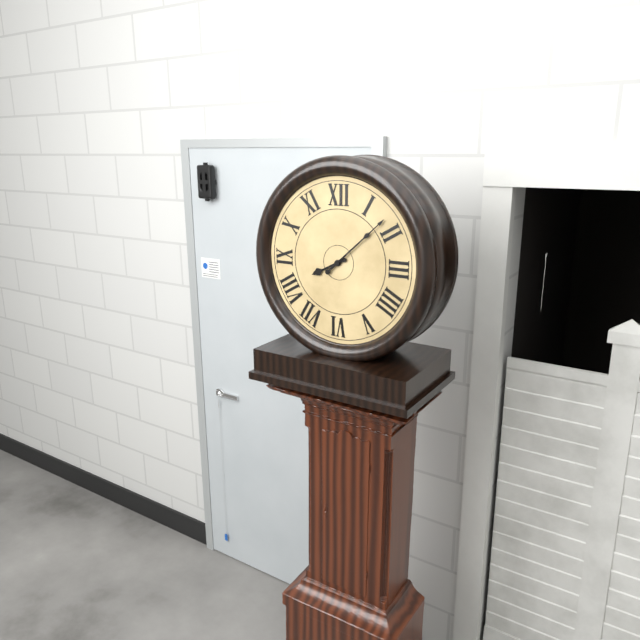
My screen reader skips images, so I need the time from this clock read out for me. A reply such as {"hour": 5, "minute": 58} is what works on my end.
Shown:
{"hour": 8, "minute": 8}
